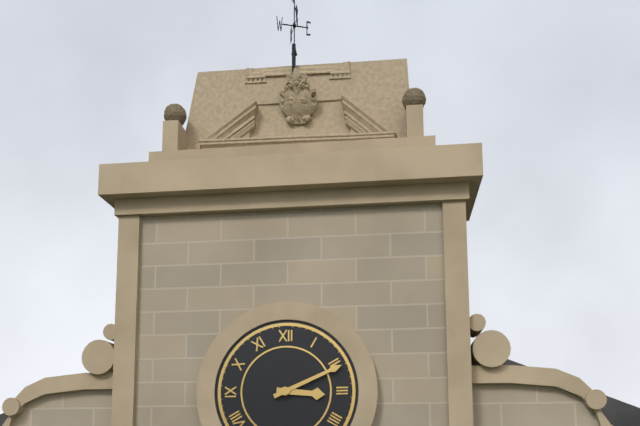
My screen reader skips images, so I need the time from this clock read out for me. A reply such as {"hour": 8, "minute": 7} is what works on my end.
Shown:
{"hour": 3, "minute": 11}
